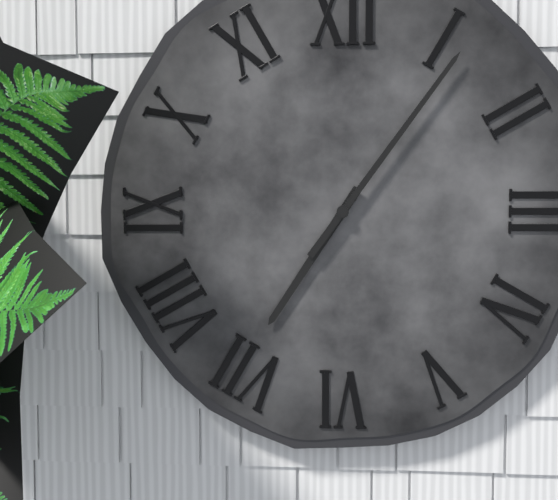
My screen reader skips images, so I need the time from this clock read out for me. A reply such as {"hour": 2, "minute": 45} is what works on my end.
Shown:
{"hour": 7, "minute": 6}
